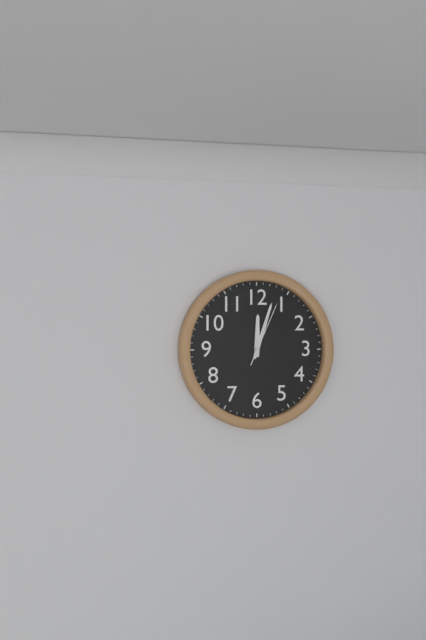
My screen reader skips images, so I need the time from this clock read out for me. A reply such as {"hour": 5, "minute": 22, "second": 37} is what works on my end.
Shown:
{"hour": 12, "minute": 3, "second": 4}
